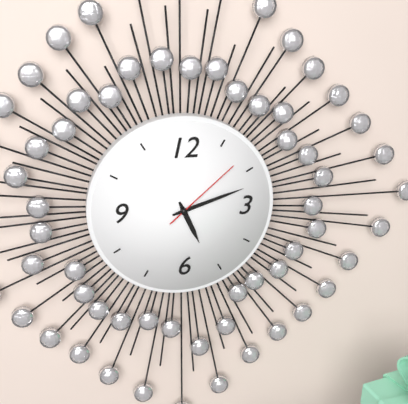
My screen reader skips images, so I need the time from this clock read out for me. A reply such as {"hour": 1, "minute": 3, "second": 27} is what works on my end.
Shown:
{"hour": 5, "minute": 12, "second": 8}
